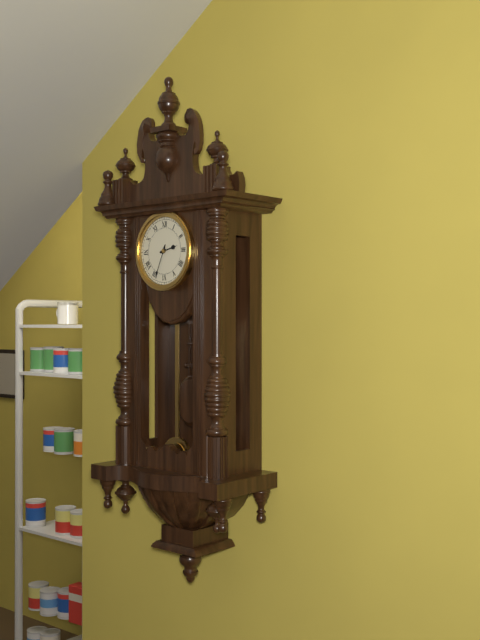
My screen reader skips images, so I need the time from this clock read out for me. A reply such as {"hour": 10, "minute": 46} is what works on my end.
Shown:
{"hour": 2, "minute": 34}
